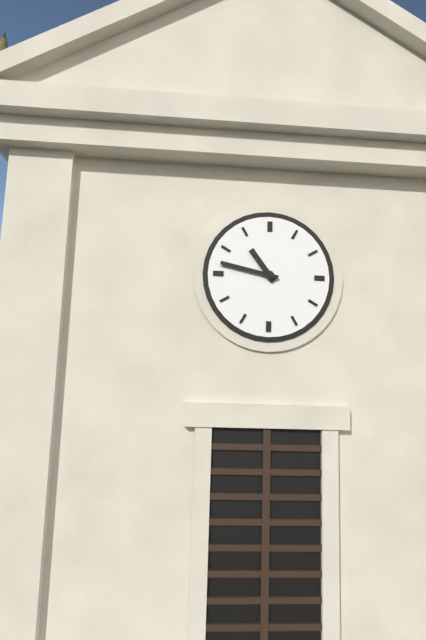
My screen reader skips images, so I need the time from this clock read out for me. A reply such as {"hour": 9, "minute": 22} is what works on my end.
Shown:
{"hour": 10, "minute": 47}
